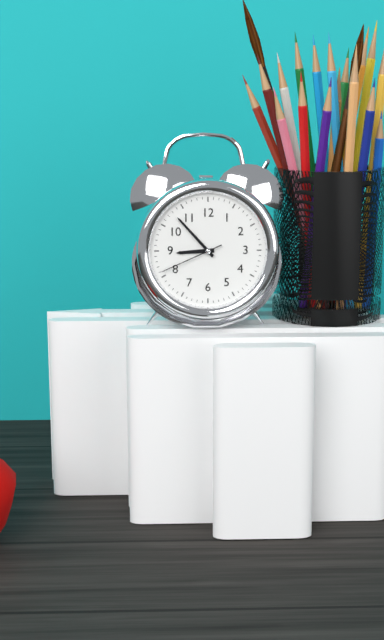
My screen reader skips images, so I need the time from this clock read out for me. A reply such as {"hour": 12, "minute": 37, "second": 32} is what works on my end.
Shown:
{"hour": 8, "minute": 53, "second": 41}
